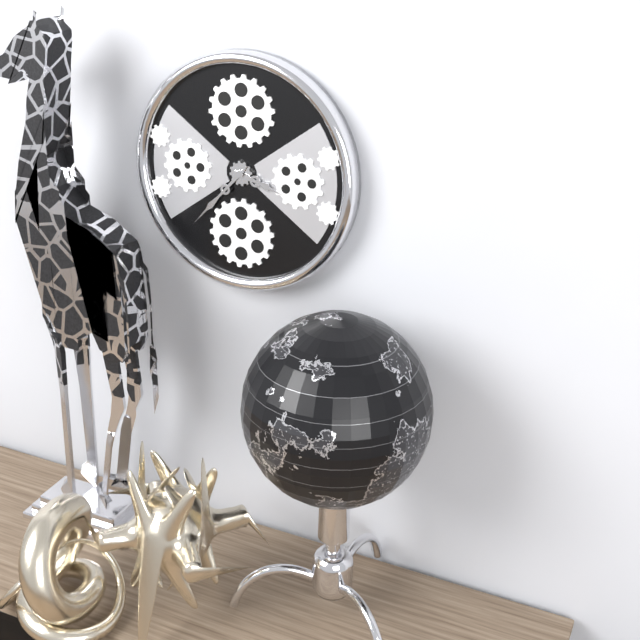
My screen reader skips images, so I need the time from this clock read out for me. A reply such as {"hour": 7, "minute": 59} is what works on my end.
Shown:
{"hour": 3, "minute": 37}
